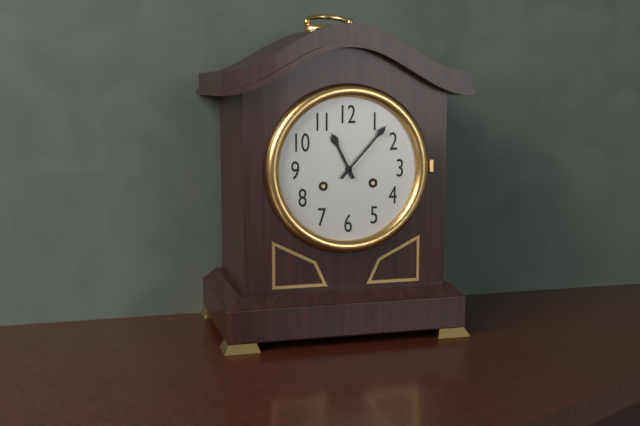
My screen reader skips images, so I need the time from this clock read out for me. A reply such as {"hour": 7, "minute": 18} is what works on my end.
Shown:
{"hour": 11, "minute": 7}
